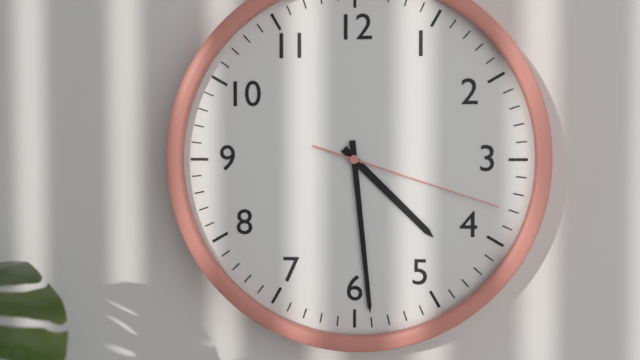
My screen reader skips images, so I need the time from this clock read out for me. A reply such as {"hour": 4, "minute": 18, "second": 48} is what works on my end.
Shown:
{"hour": 4, "minute": 29, "second": 18}
